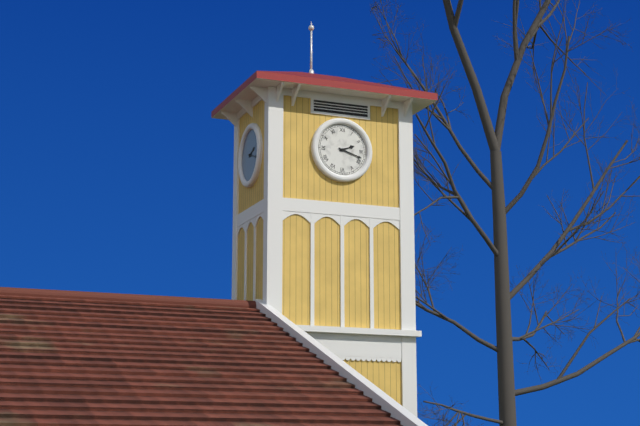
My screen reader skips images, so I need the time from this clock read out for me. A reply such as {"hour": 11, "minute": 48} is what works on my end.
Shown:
{"hour": 2, "minute": 18}
